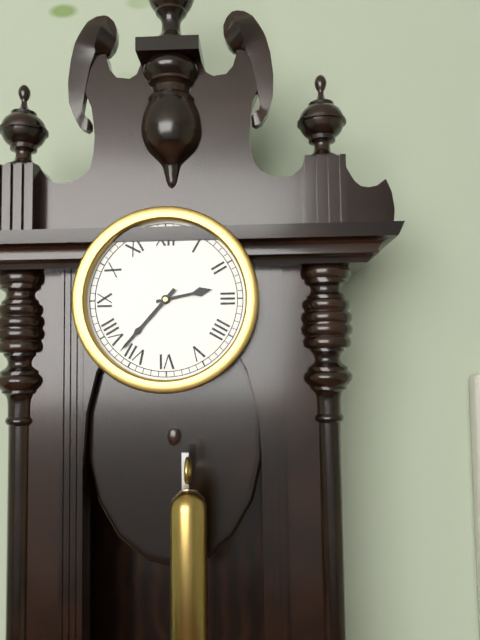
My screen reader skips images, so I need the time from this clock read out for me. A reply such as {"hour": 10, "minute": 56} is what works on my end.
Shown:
{"hour": 2, "minute": 37}
